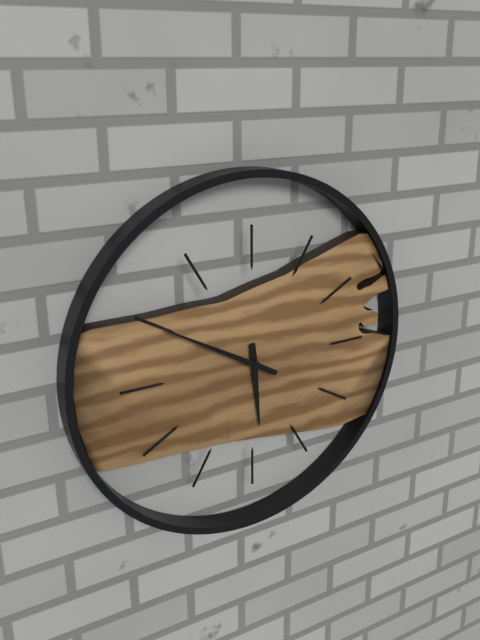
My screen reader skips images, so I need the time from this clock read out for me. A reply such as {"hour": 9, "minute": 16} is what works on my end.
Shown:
{"hour": 5, "minute": 50}
